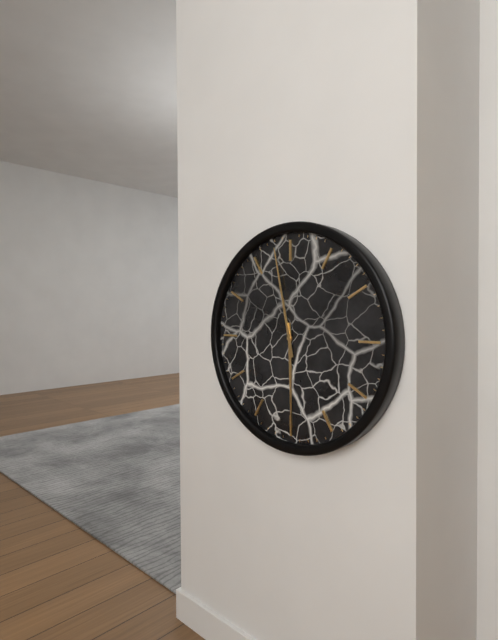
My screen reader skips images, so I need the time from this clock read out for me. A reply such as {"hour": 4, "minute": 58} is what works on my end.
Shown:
{"hour": 5, "minute": 58}
